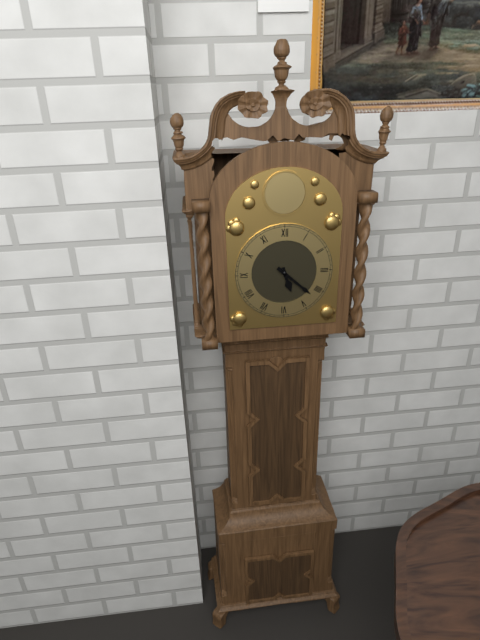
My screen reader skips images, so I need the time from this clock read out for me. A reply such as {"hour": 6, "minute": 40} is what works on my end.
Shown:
{"hour": 5, "minute": 22}
